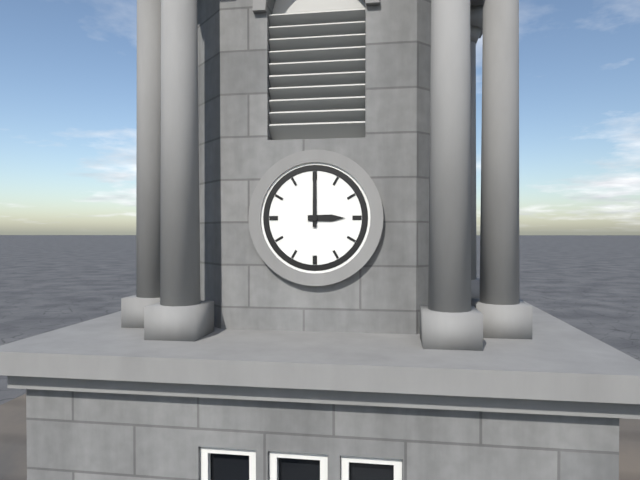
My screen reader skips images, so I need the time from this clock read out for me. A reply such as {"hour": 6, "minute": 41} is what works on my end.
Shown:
{"hour": 3, "minute": 0}
